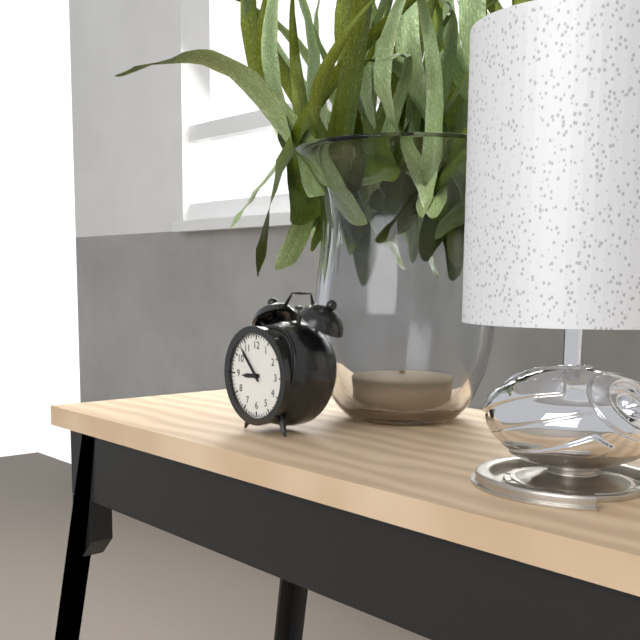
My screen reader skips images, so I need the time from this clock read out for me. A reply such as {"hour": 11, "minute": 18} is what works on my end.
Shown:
{"hour": 8, "minute": 53}
